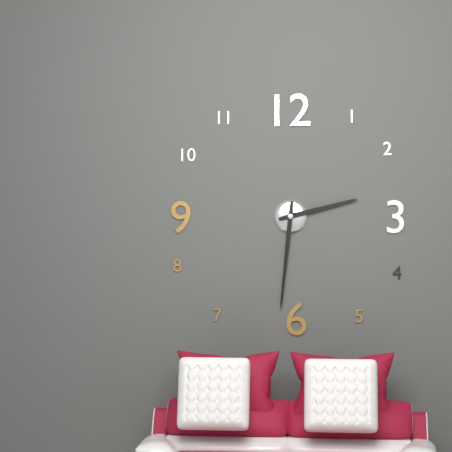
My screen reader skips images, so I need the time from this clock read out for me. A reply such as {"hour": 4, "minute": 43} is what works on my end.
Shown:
{"hour": 2, "minute": 31}
